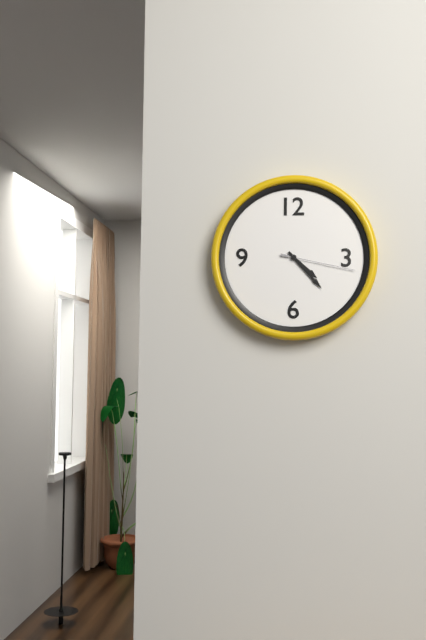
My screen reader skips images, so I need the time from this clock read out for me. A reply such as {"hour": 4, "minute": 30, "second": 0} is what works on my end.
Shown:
{"hour": 4, "minute": 23, "second": 17}
